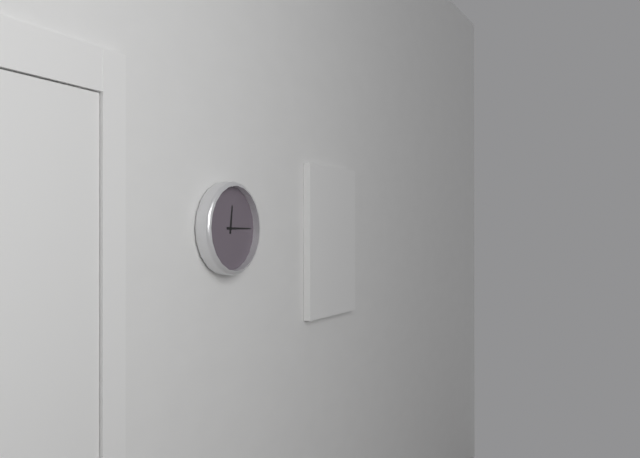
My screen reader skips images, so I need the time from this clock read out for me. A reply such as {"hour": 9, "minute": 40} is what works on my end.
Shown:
{"hour": 12, "minute": 15}
